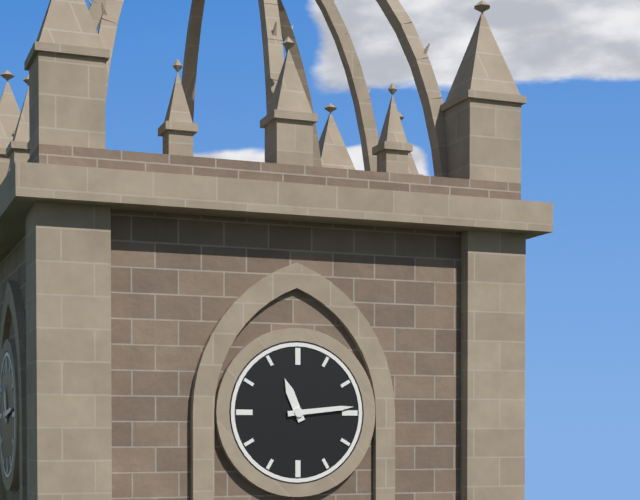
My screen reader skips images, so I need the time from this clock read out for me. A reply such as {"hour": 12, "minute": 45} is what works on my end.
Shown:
{"hour": 11, "minute": 14}
